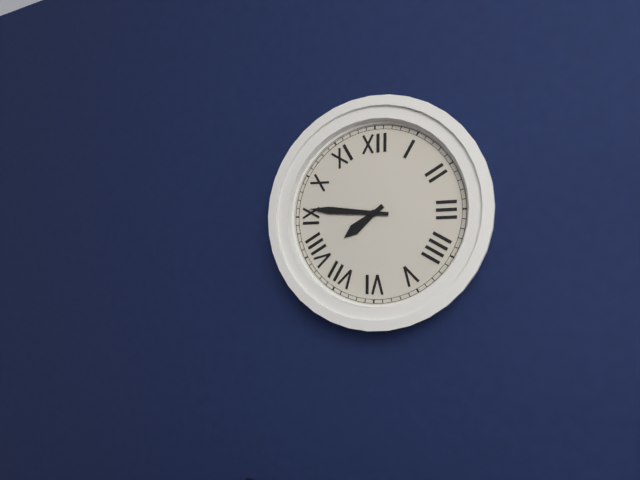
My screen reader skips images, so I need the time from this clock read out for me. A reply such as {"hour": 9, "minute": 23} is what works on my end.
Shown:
{"hour": 7, "minute": 46}
